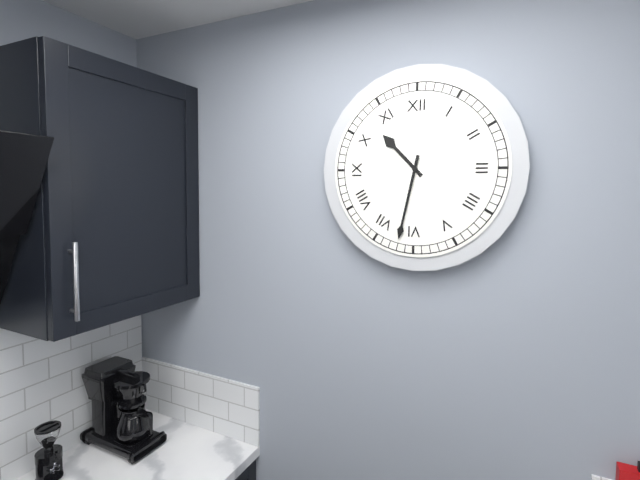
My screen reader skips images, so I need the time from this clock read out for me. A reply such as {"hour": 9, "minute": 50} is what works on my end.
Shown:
{"hour": 10, "minute": 32}
